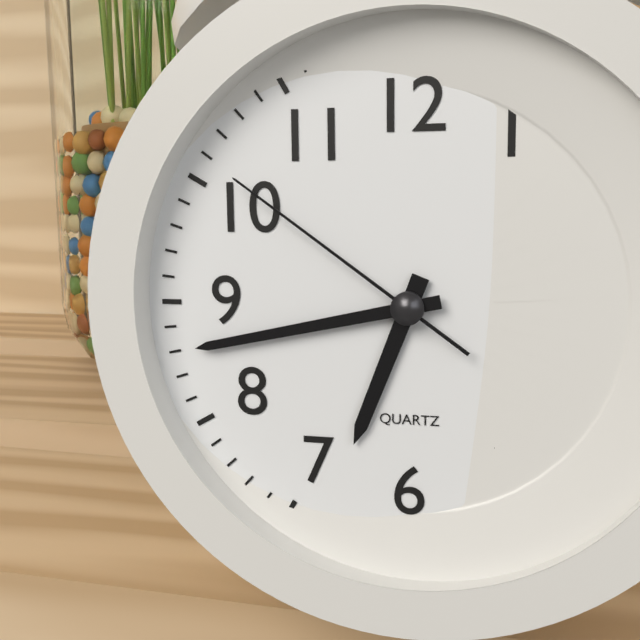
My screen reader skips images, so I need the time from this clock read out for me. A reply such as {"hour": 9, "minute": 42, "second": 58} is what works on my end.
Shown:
{"hour": 6, "minute": 43, "second": 51}
